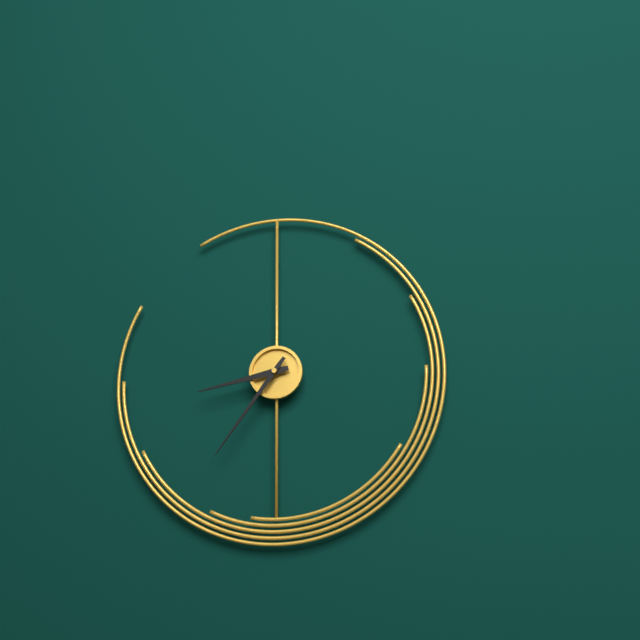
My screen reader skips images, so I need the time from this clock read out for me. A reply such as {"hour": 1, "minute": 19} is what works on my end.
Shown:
{"hour": 8, "minute": 36}
